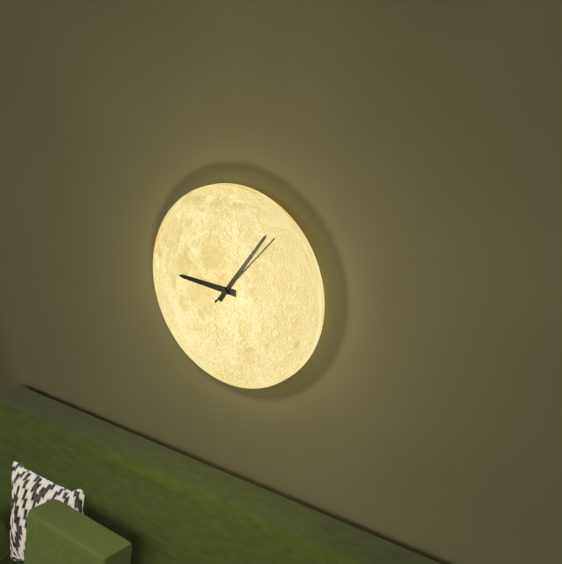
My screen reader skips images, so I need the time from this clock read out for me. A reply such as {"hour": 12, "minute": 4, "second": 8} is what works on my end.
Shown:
{"hour": 9, "minute": 6, "second": 7}
